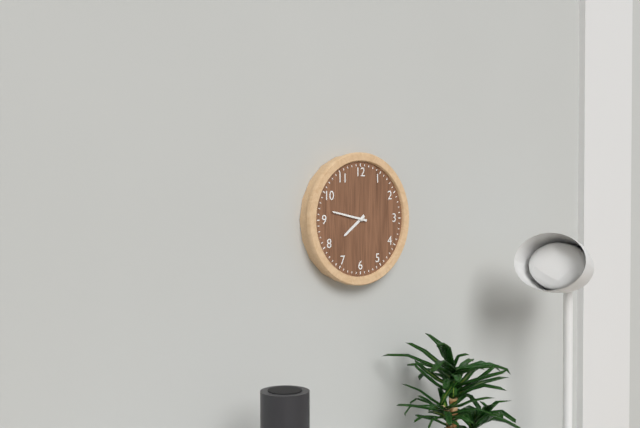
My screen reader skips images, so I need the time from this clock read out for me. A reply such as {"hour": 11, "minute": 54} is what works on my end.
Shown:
{"hour": 7, "minute": 47}
